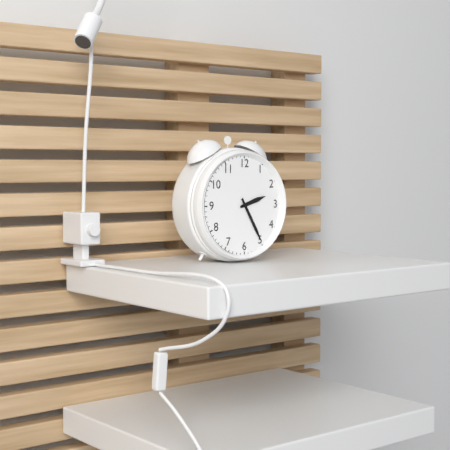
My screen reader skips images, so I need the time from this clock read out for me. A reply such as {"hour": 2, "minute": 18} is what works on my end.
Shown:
{"hour": 2, "minute": 25}
